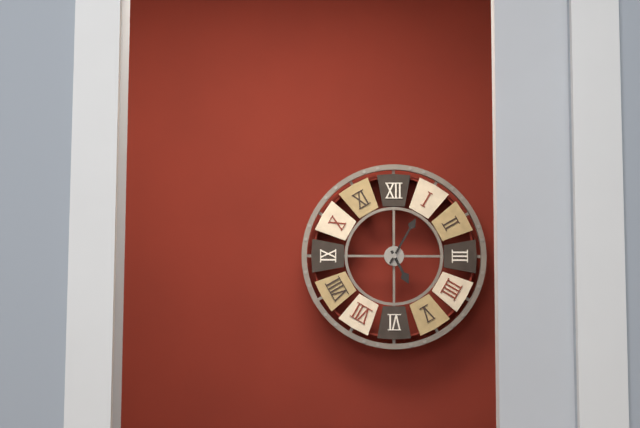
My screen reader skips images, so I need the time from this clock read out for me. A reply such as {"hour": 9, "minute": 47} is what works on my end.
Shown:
{"hour": 5, "minute": 5}
